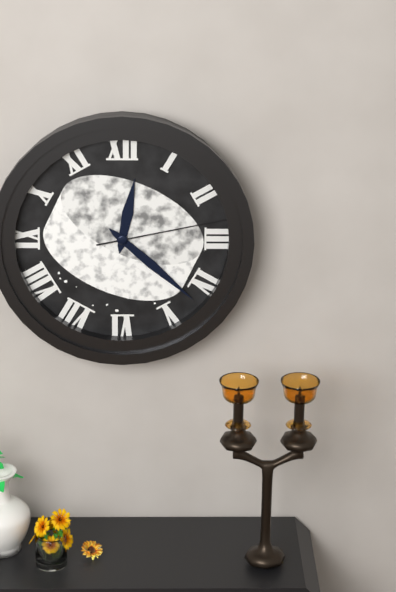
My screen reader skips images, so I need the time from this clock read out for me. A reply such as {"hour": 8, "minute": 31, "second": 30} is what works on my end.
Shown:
{"hour": 12, "minute": 22, "second": 13}
